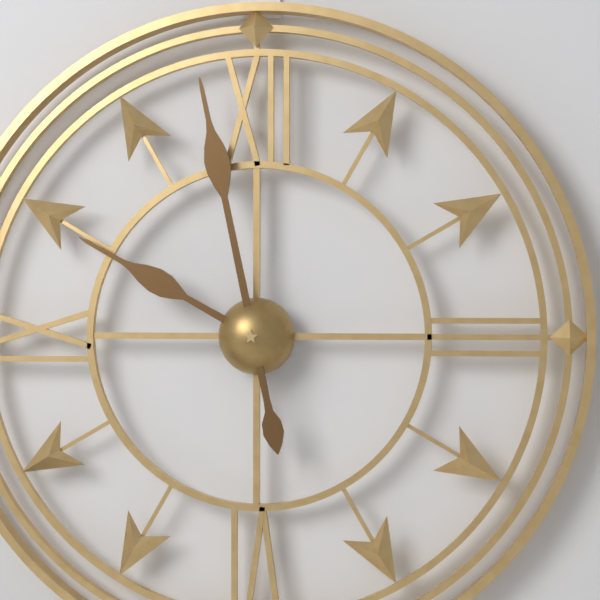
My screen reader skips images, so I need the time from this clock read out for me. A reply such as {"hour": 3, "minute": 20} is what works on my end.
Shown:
{"hour": 9, "minute": 58}
